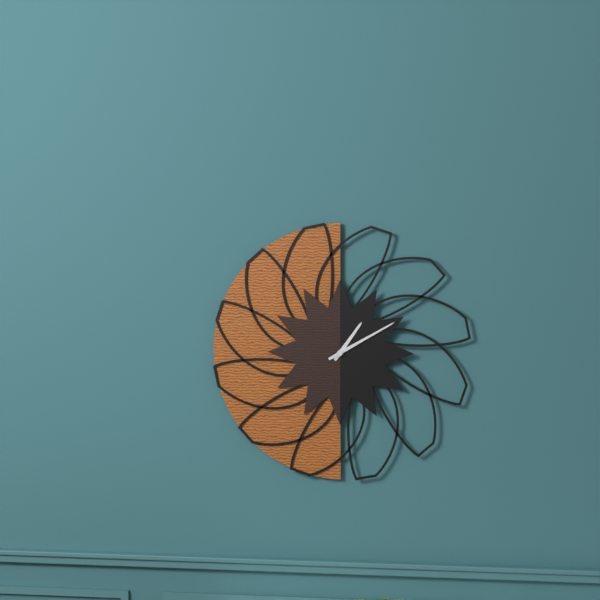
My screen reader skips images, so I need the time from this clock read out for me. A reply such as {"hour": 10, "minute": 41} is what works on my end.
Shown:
{"hour": 1, "minute": 10}
